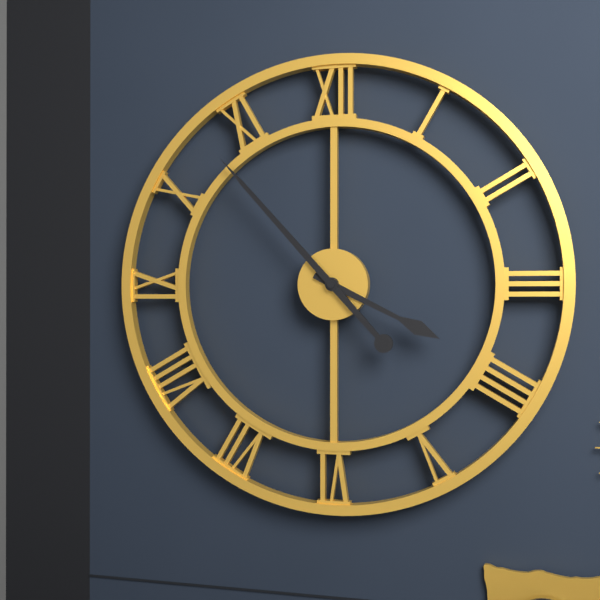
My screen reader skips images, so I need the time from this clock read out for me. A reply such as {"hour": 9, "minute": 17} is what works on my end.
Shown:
{"hour": 3, "minute": 53}
